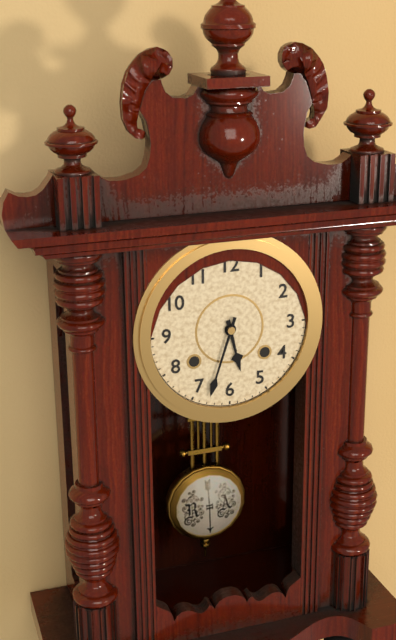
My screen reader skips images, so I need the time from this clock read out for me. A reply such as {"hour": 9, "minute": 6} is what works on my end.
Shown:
{"hour": 5, "minute": 33}
